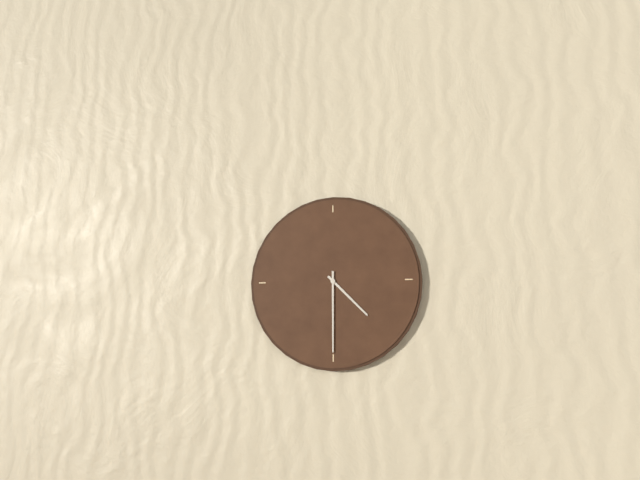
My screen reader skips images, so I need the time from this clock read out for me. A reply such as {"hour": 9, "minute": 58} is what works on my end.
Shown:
{"hour": 4, "minute": 30}
